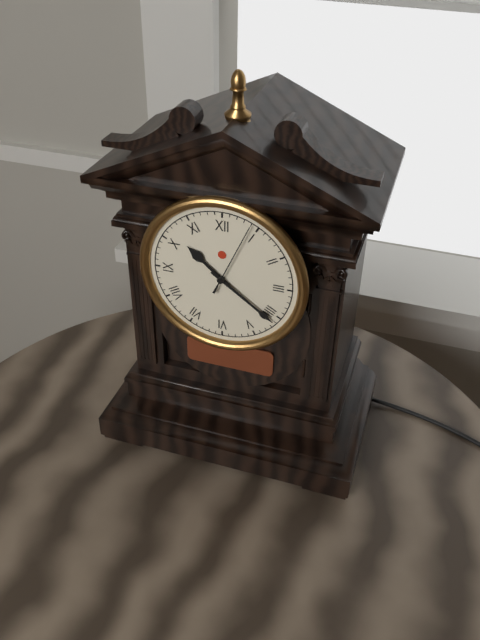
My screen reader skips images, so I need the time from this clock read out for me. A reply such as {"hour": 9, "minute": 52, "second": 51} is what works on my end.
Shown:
{"hour": 10, "minute": 21, "second": 4}
